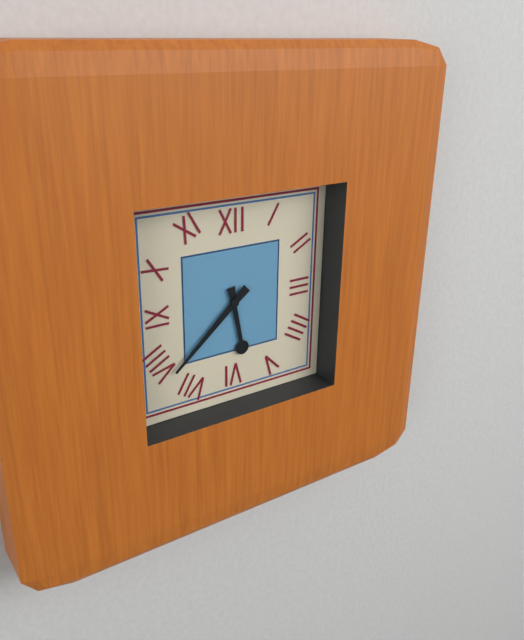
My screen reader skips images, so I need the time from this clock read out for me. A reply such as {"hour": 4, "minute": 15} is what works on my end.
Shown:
{"hour": 5, "minute": 38}
